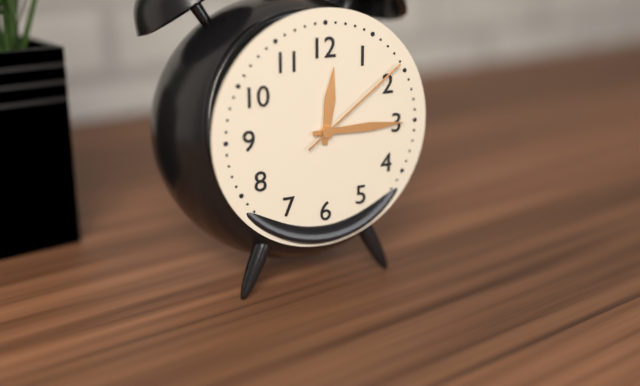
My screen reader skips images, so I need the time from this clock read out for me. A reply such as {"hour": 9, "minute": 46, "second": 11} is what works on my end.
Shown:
{"hour": 12, "minute": 15, "second": 9}
